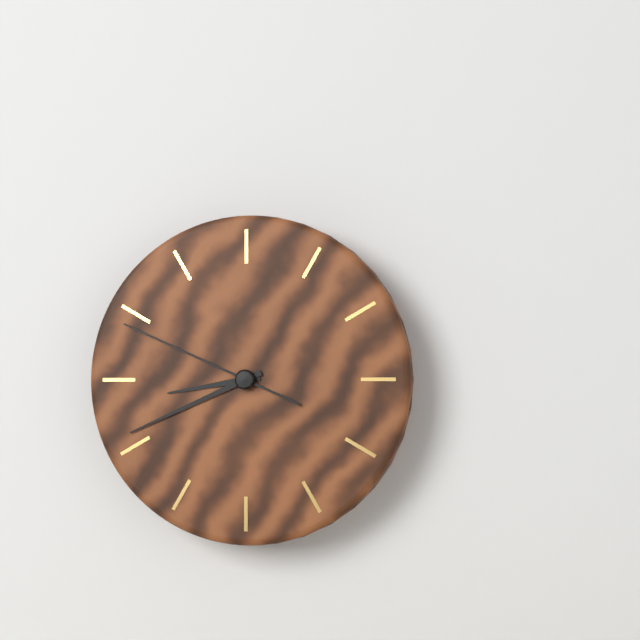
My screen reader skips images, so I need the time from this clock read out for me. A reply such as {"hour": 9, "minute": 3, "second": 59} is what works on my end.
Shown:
{"hour": 8, "minute": 41, "second": 49}
